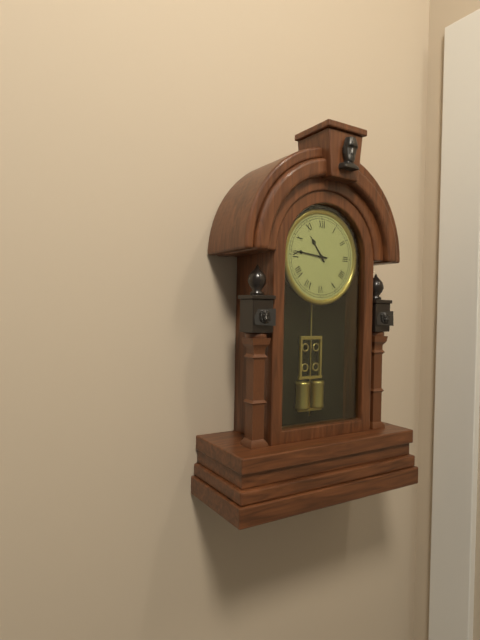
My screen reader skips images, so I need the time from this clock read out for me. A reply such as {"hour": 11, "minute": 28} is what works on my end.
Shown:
{"hour": 10, "minute": 46}
